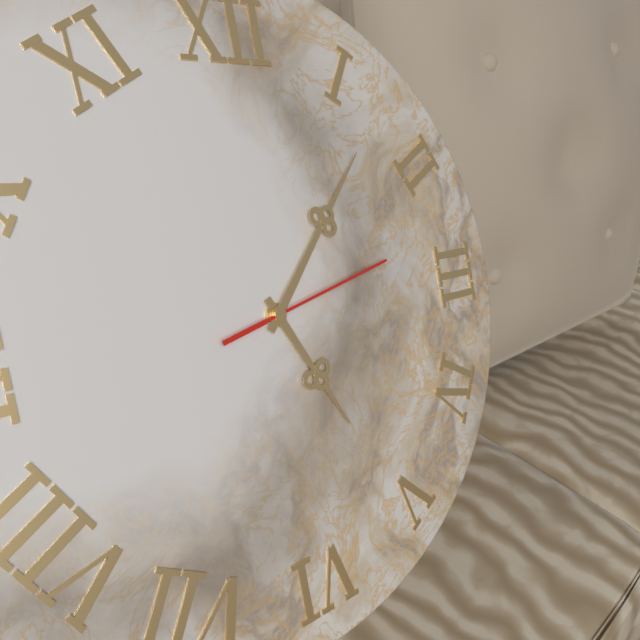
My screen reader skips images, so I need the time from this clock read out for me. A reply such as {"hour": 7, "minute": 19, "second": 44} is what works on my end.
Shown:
{"hour": 5, "minute": 7, "second": 13}
